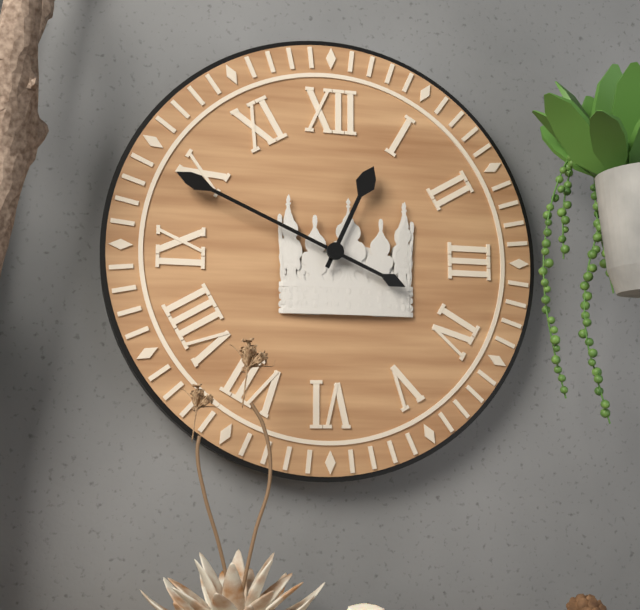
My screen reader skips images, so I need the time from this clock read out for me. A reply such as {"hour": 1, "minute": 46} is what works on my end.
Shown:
{"hour": 12, "minute": 49}
